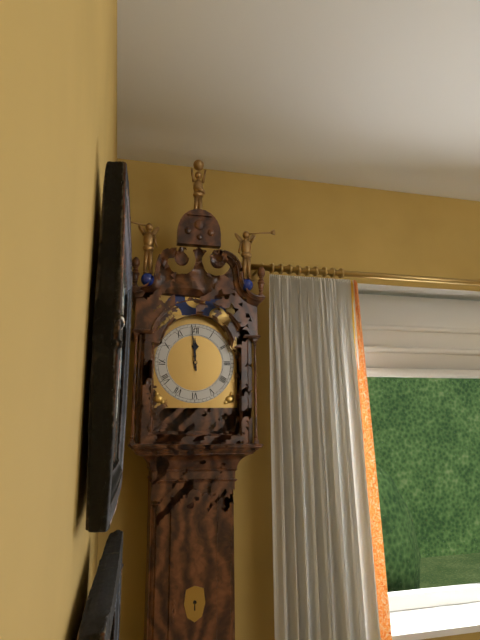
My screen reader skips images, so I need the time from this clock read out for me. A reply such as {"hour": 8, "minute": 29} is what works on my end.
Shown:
{"hour": 11, "minute": 59}
